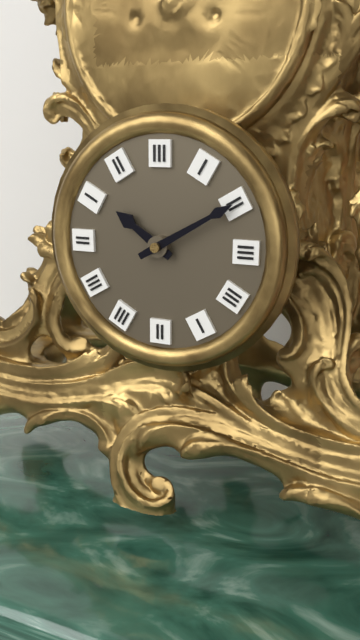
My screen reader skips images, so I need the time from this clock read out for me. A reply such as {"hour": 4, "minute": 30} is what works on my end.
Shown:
{"hour": 10, "minute": 10}
